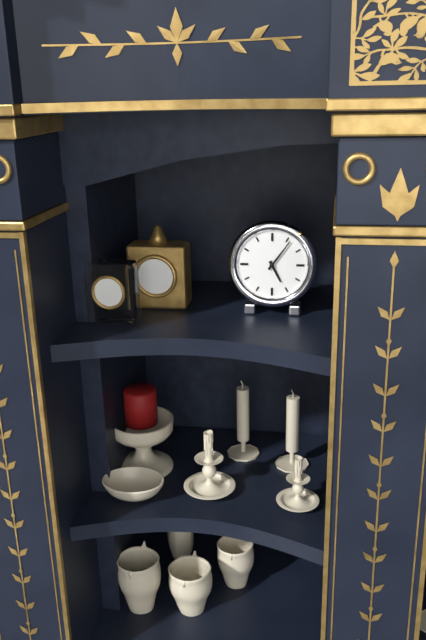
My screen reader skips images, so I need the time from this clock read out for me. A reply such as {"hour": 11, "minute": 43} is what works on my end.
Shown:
{"hour": 5, "minute": 6}
